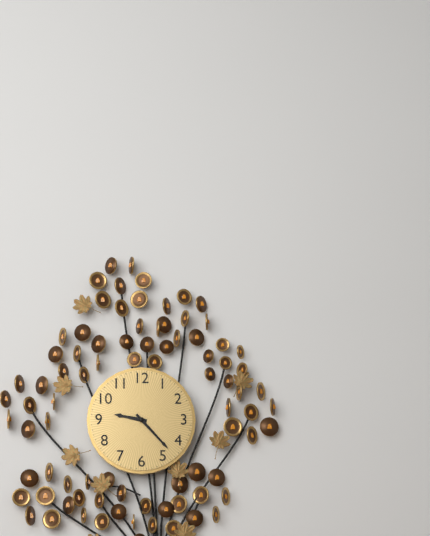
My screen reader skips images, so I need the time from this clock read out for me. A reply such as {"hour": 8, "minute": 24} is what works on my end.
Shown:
{"hour": 9, "minute": 23}
